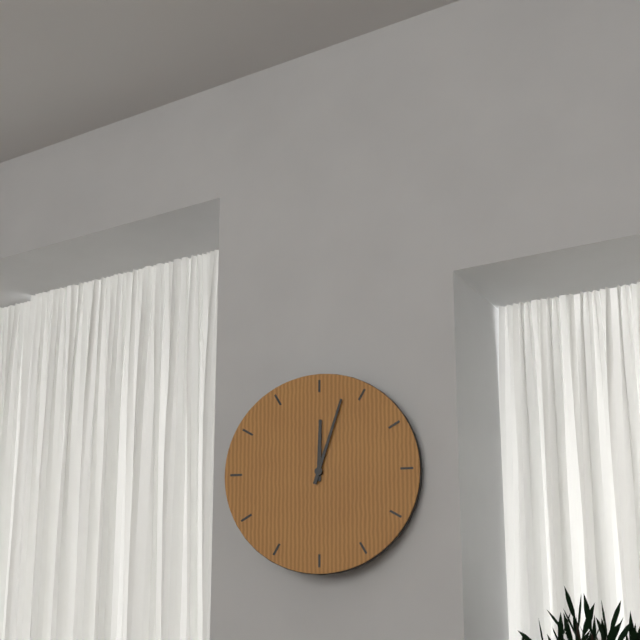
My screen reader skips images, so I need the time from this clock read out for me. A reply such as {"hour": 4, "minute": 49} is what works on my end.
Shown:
{"hour": 12, "minute": 3}
